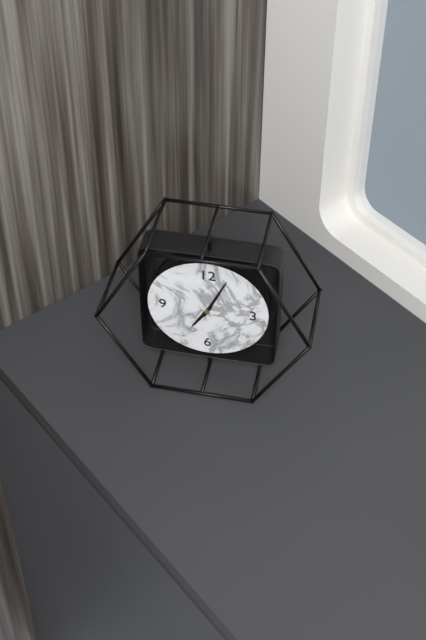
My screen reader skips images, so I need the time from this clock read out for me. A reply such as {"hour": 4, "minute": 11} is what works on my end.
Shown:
{"hour": 7, "minute": 4}
